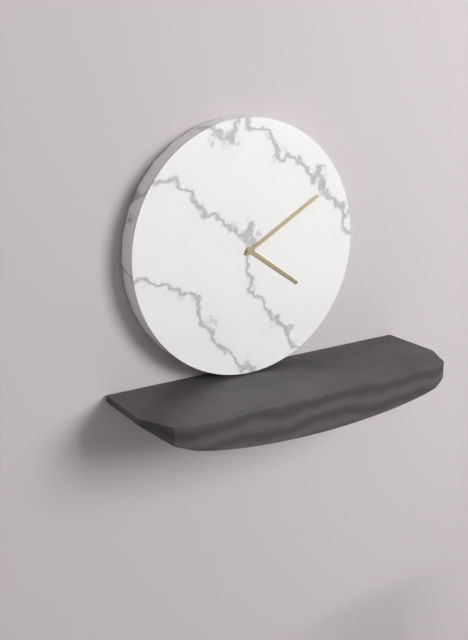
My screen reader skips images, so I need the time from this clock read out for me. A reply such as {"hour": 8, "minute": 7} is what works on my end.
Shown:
{"hour": 4, "minute": 10}
